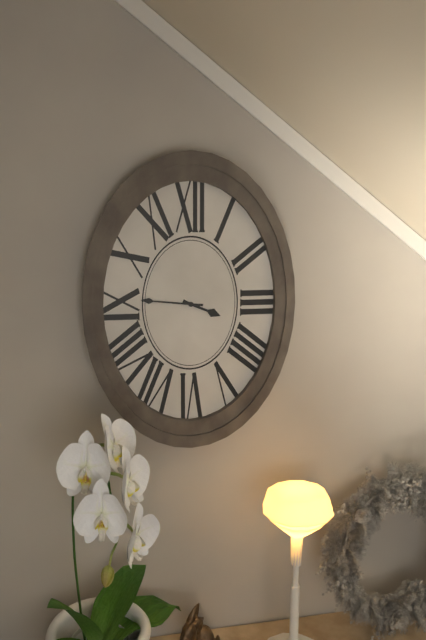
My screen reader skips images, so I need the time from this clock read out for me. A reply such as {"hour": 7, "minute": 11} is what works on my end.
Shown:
{"hour": 3, "minute": 46}
